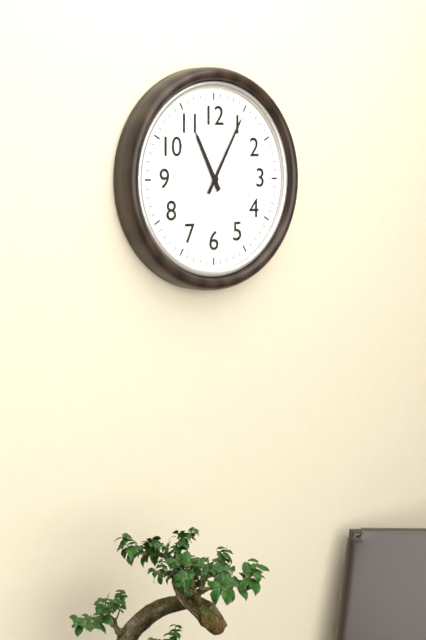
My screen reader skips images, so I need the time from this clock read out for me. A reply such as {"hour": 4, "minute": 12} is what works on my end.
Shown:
{"hour": 11, "minute": 5}
